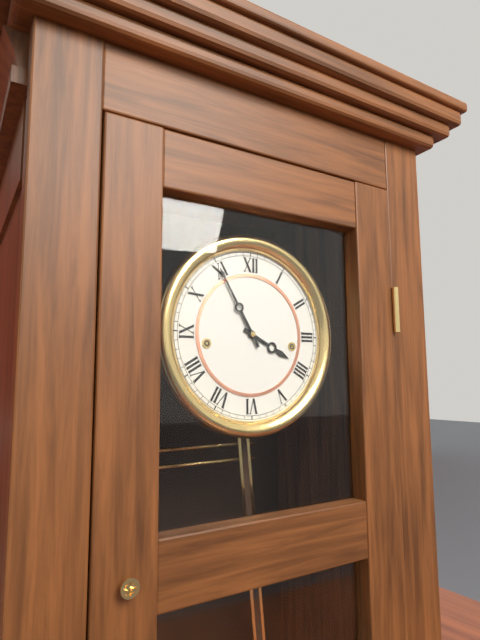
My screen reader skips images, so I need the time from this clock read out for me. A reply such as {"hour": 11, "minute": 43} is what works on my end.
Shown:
{"hour": 3, "minute": 55}
